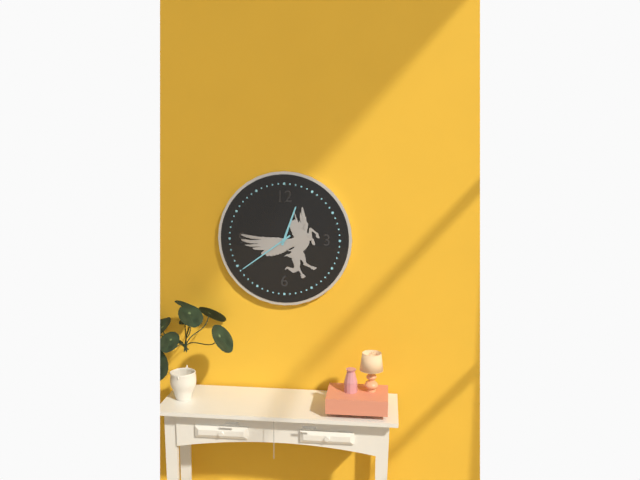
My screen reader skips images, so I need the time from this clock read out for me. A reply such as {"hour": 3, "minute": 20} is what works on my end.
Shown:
{"hour": 12, "minute": 39}
